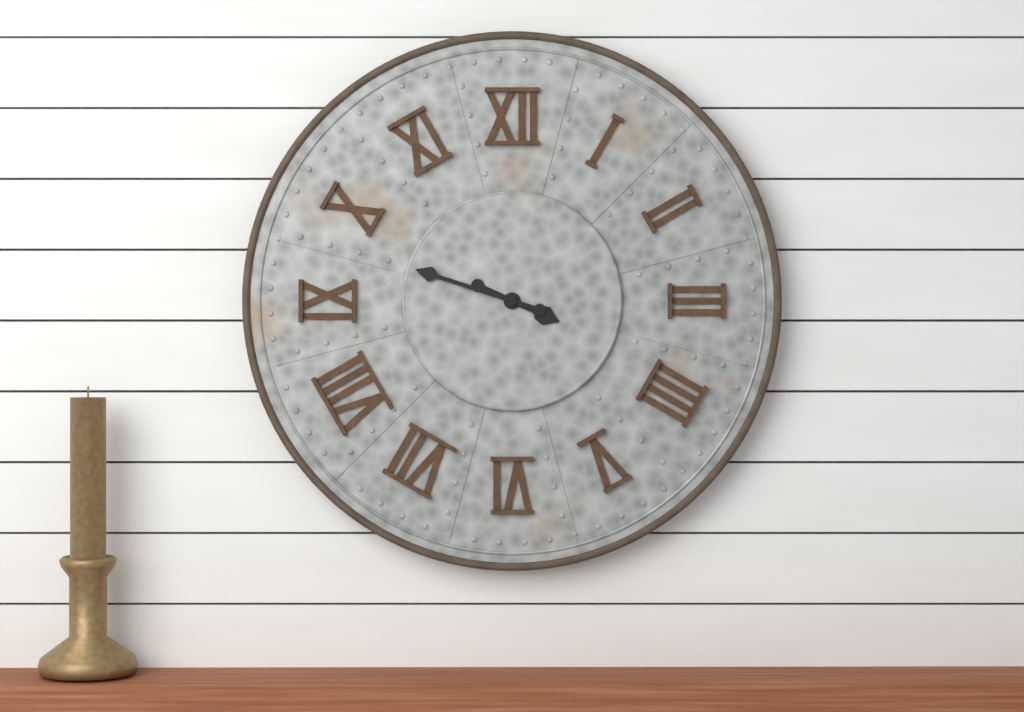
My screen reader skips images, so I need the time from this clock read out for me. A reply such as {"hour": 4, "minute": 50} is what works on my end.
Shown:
{"hour": 3, "minute": 48}
